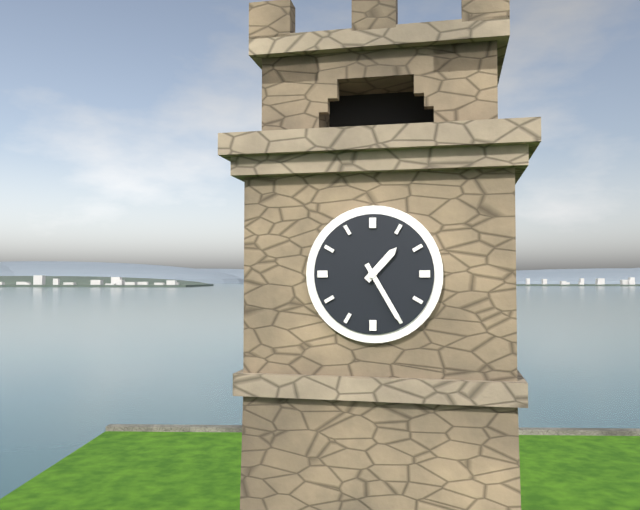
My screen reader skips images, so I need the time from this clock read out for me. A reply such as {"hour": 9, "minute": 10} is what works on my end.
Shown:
{"hour": 1, "minute": 25}
